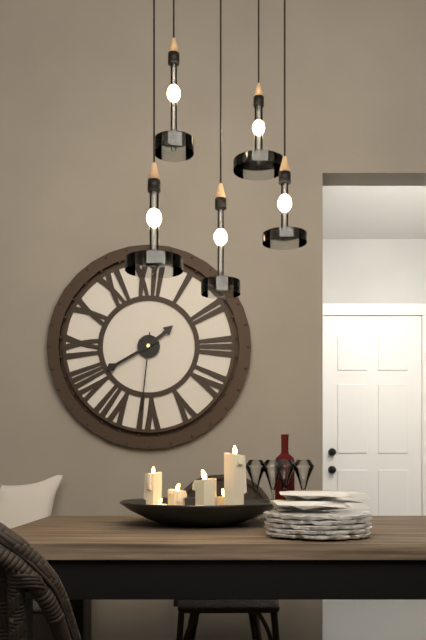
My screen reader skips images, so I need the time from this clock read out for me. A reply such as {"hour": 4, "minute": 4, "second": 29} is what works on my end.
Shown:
{"hour": 1, "minute": 40, "second": 31}
